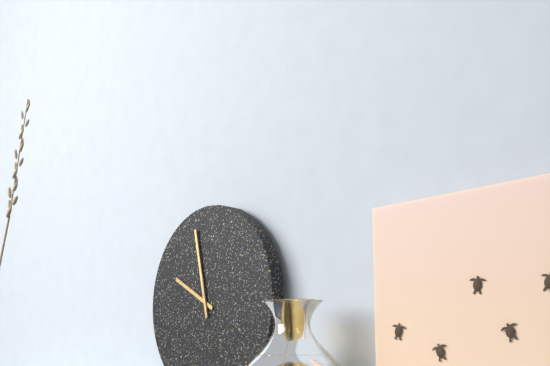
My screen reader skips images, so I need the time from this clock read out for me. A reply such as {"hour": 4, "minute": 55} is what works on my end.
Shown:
{"hour": 9, "minute": 58}
